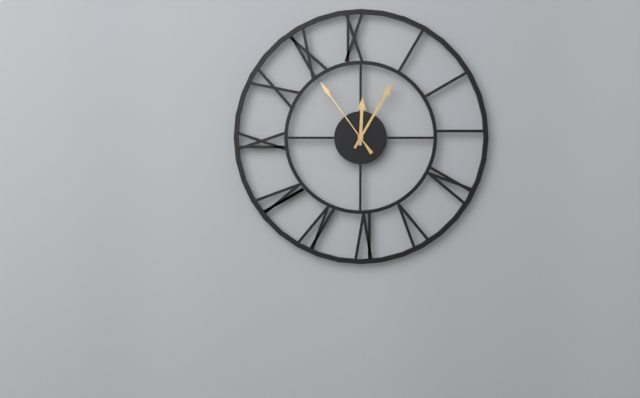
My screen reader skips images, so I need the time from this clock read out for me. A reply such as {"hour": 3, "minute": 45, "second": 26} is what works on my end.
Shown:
{"hour": 12, "minute": 5, "second": 54}
